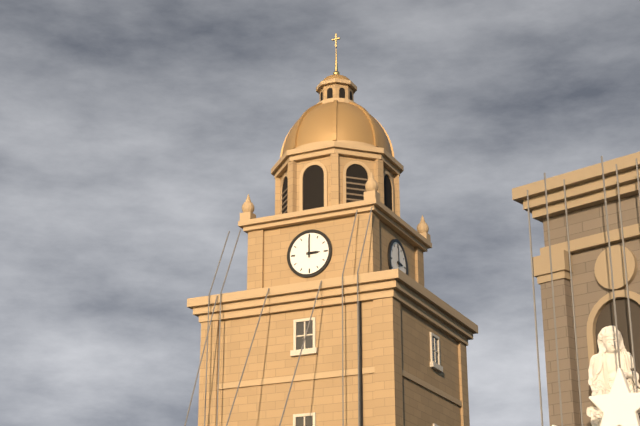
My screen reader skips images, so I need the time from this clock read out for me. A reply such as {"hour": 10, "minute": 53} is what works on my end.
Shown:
{"hour": 3, "minute": 0}
